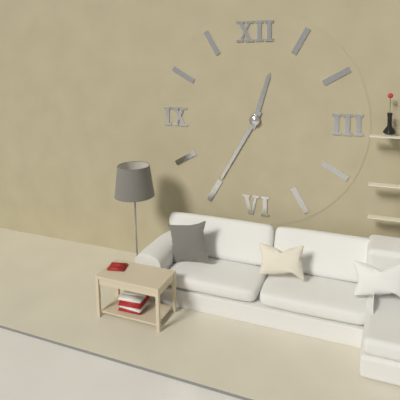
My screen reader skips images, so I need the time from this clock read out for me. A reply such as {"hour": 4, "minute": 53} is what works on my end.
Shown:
{"hour": 12, "minute": 35}
